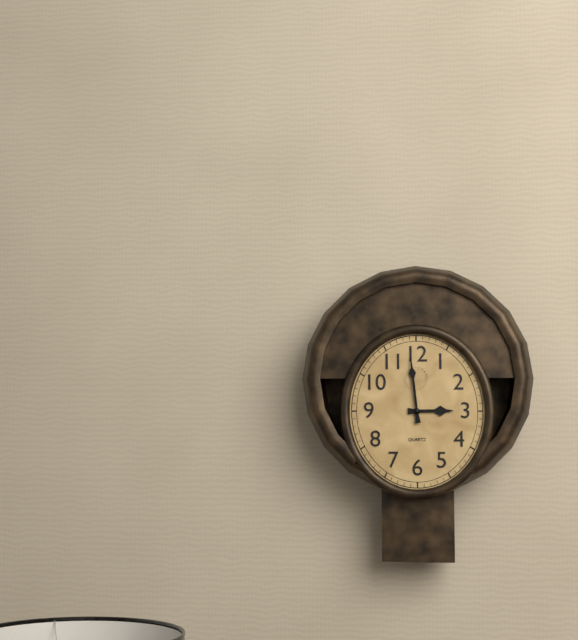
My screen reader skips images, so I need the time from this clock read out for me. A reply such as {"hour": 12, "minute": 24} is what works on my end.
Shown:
{"hour": 2, "minute": 59}
